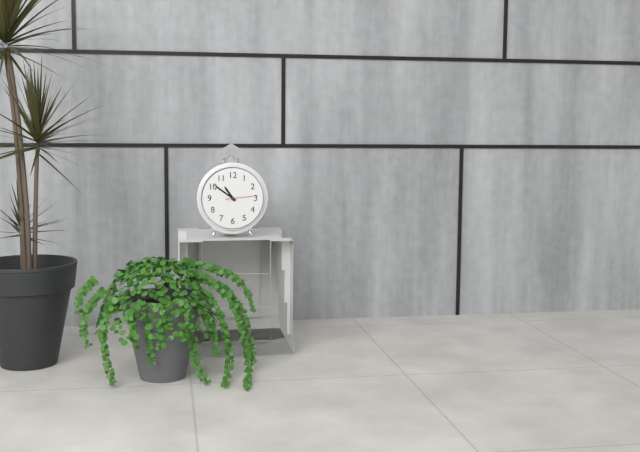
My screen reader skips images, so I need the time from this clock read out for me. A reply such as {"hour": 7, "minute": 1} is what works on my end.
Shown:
{"hour": 10, "minute": 51}
